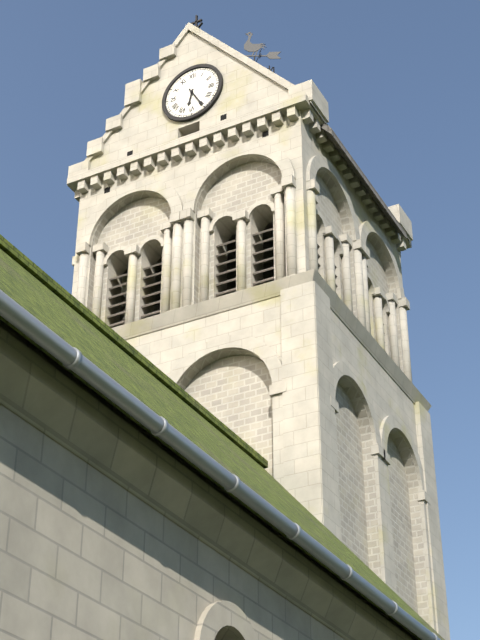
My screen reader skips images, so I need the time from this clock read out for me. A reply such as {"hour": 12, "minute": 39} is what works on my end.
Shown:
{"hour": 6, "minute": 25}
